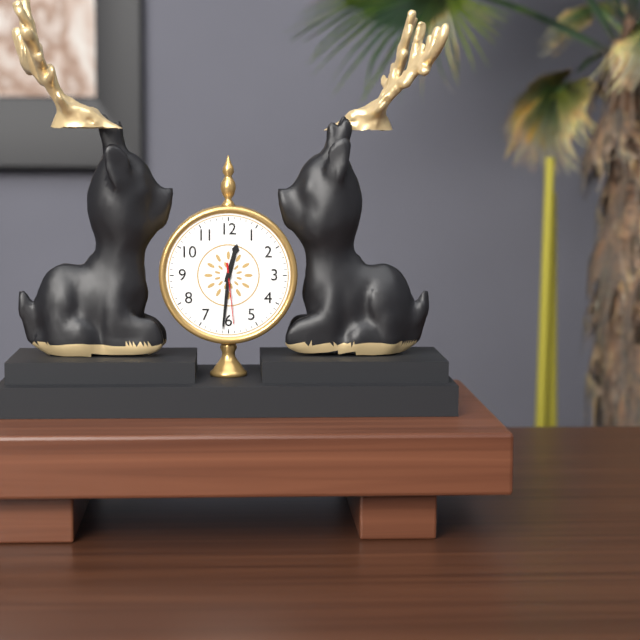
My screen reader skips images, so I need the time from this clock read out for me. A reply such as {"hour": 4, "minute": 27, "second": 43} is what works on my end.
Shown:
{"hour": 12, "minute": 31, "second": 29}
